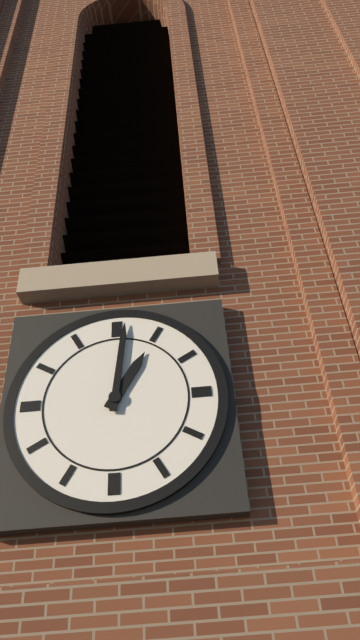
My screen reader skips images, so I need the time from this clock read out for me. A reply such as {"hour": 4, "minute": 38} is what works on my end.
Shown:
{"hour": 1, "minute": 1}
